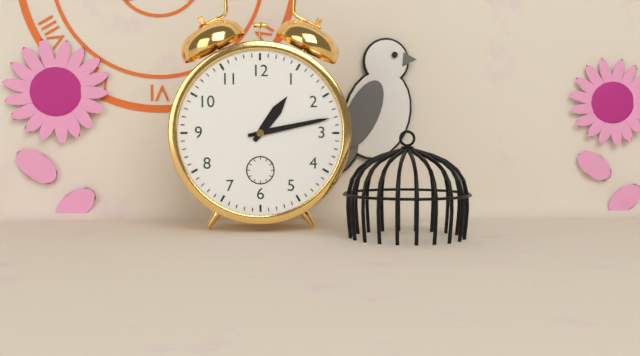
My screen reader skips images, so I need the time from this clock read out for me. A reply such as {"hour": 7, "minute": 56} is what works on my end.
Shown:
{"hour": 1, "minute": 13}
